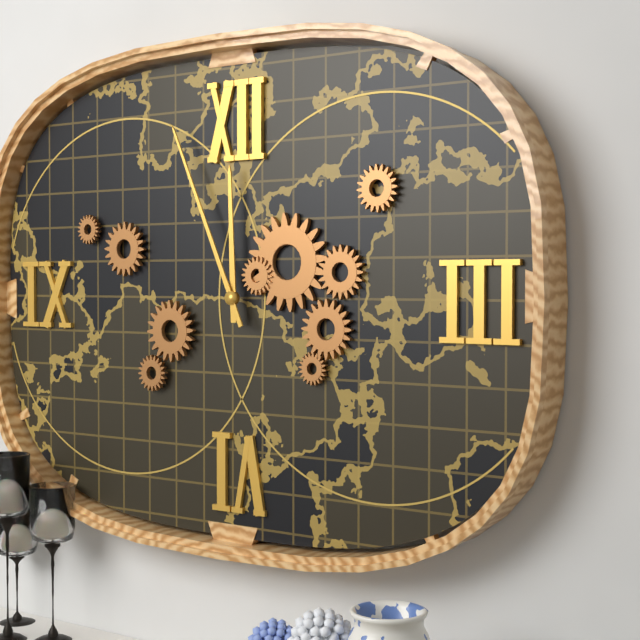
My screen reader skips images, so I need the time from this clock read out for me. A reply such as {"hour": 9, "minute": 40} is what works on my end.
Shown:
{"hour": 11, "minute": 56}
